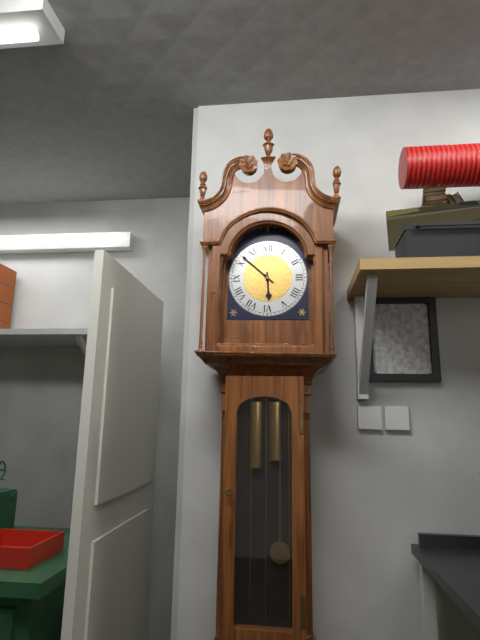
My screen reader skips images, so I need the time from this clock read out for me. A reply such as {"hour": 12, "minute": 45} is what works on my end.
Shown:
{"hour": 5, "minute": 52}
